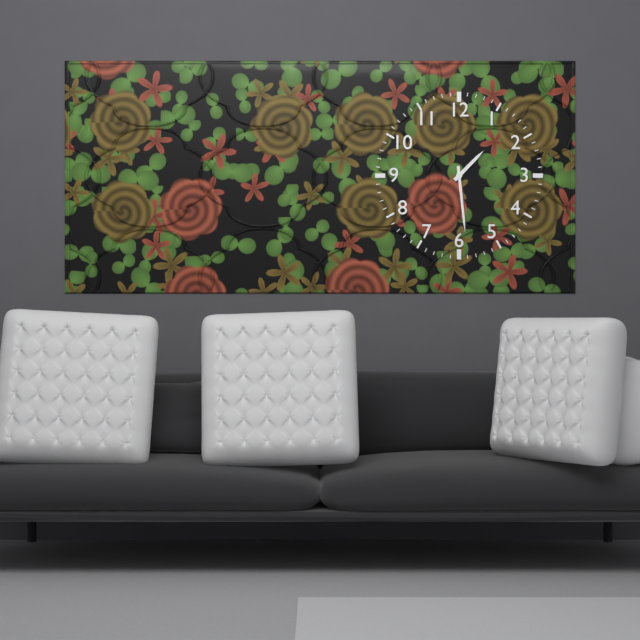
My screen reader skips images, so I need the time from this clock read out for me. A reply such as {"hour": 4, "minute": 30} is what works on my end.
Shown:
{"hour": 1, "minute": 29}
